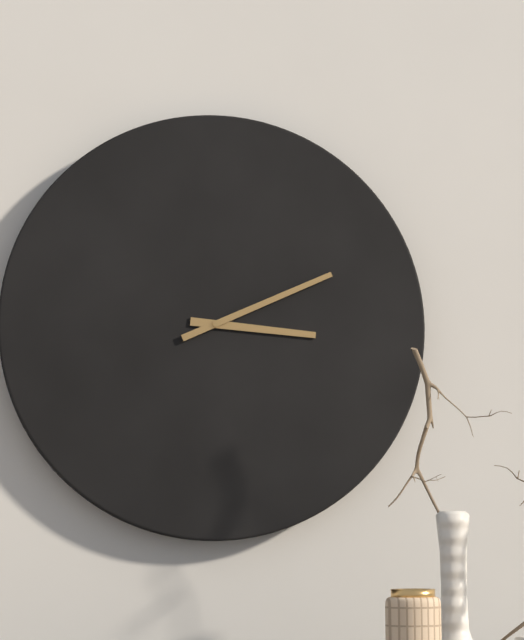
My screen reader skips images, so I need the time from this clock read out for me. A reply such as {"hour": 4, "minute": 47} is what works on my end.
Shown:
{"hour": 3, "minute": 11}
